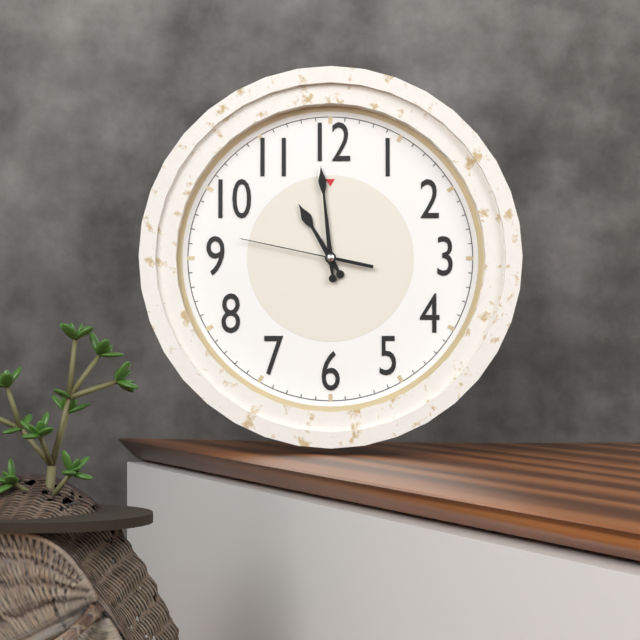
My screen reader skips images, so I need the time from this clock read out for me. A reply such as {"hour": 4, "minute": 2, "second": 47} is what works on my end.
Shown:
{"hour": 10, "minute": 59, "second": 47}
